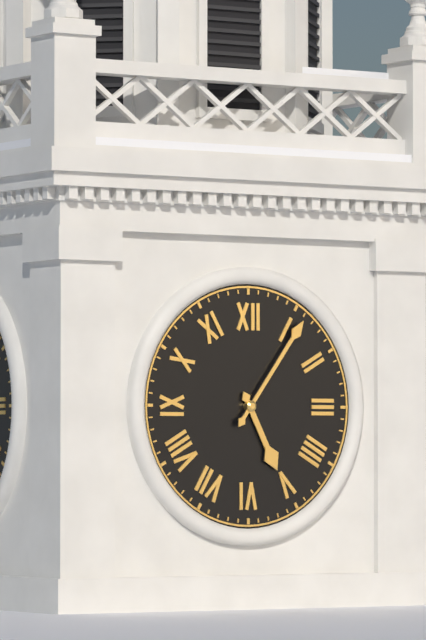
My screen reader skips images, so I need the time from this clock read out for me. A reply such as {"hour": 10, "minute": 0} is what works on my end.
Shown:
{"hour": 5, "minute": 6}
